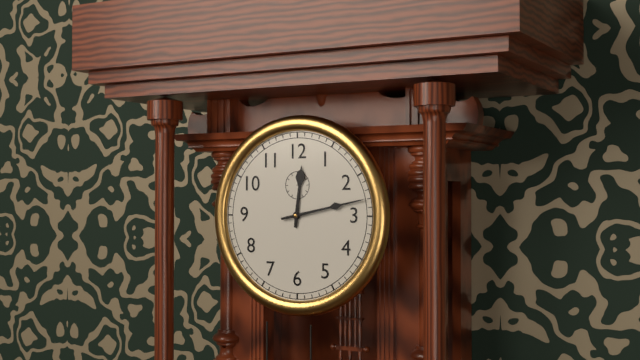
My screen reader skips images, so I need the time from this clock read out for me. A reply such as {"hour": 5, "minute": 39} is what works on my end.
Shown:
{"hour": 12, "minute": 13}
